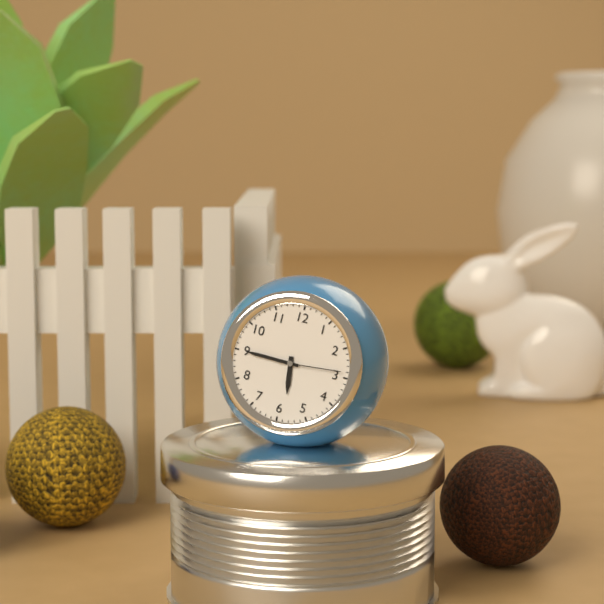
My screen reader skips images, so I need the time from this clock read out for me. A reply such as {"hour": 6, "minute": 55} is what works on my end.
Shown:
{"hour": 5, "minute": 45}
